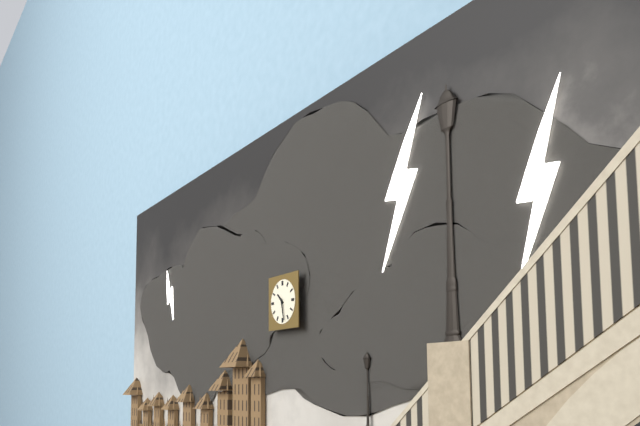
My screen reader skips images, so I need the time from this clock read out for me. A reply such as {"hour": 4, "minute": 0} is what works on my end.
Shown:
{"hour": 10, "minute": 28}
